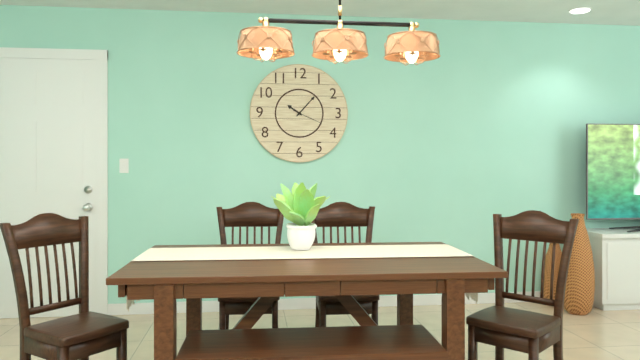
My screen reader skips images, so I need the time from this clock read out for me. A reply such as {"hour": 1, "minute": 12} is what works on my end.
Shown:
{"hour": 10, "minute": 7}
